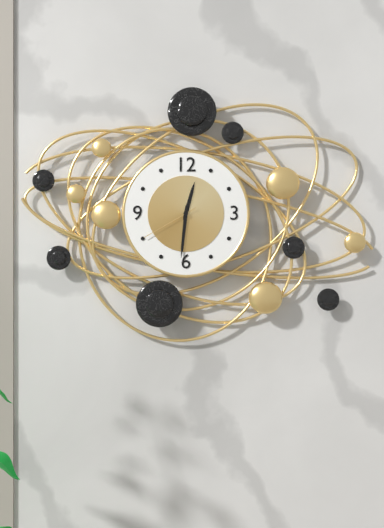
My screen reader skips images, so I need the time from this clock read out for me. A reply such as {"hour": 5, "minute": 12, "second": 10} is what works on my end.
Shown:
{"hour": 12, "minute": 31, "second": 40}
